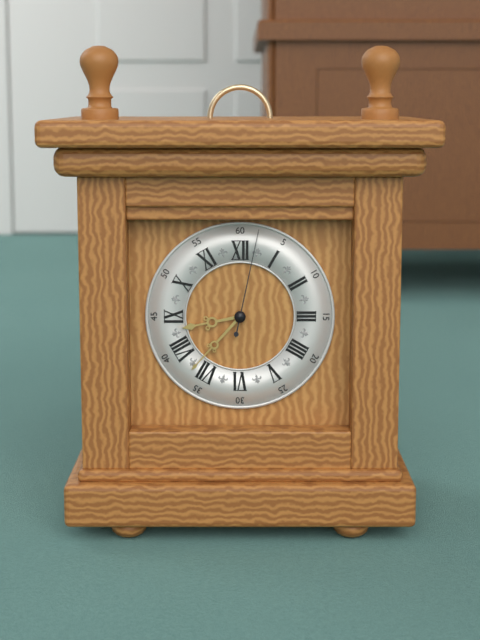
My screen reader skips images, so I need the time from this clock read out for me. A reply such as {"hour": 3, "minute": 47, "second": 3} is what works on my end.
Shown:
{"hour": 8, "minute": 37, "second": 2}
